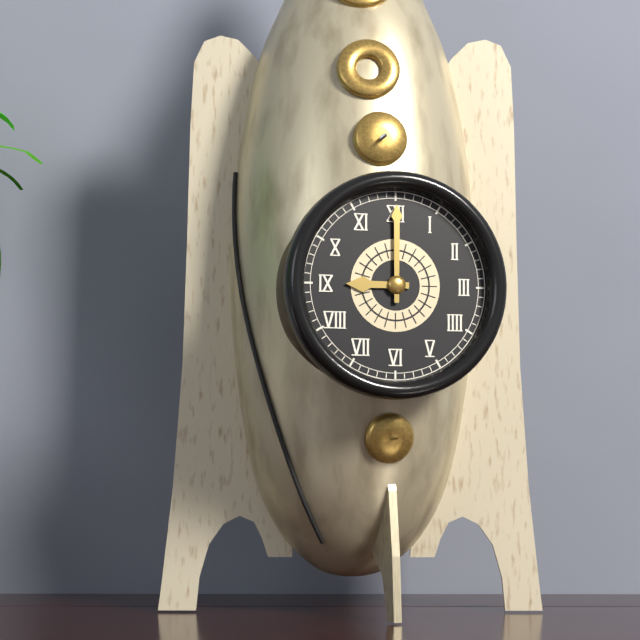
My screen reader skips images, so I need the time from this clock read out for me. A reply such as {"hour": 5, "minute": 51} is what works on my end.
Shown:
{"hour": 9, "minute": 0}
